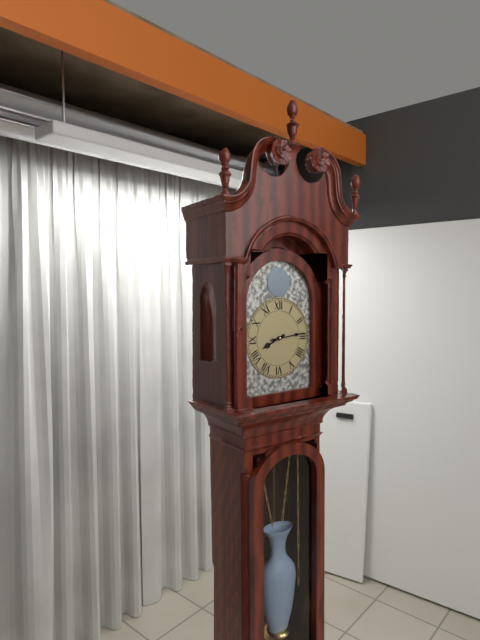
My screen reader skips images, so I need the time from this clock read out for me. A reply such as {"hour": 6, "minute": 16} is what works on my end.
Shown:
{"hour": 8, "minute": 14}
